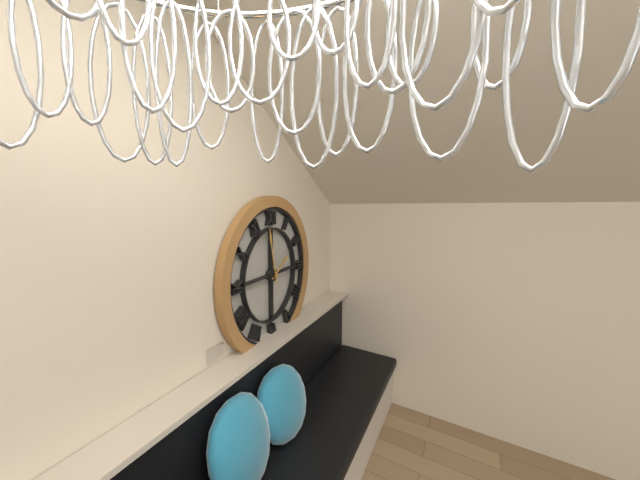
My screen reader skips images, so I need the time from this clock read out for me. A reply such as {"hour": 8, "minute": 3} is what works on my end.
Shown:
{"hour": 1, "minute": 58}
